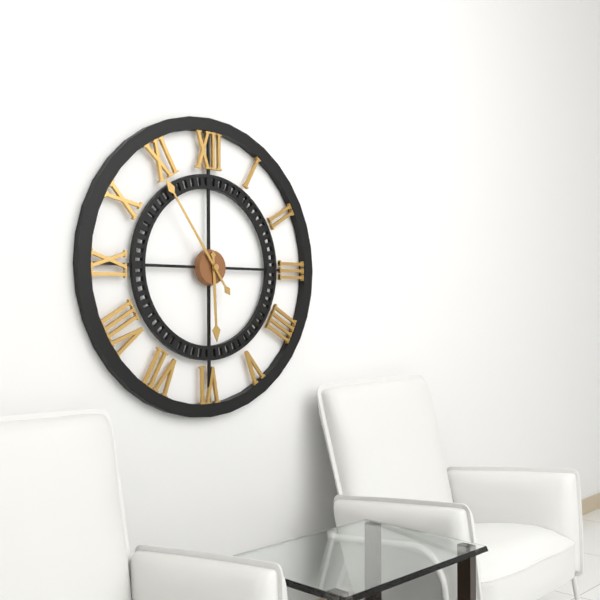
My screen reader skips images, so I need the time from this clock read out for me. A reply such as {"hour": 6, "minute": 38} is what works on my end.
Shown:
{"hour": 5, "minute": 54}
